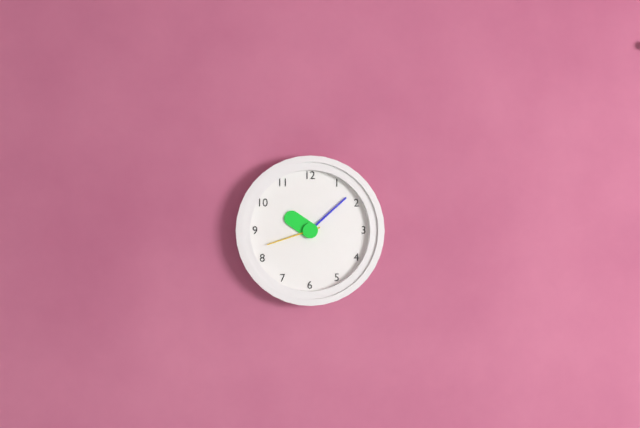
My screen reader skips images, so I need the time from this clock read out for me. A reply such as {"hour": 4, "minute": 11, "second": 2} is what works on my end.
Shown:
{"hour": 10, "minute": 8, "second": 42}
